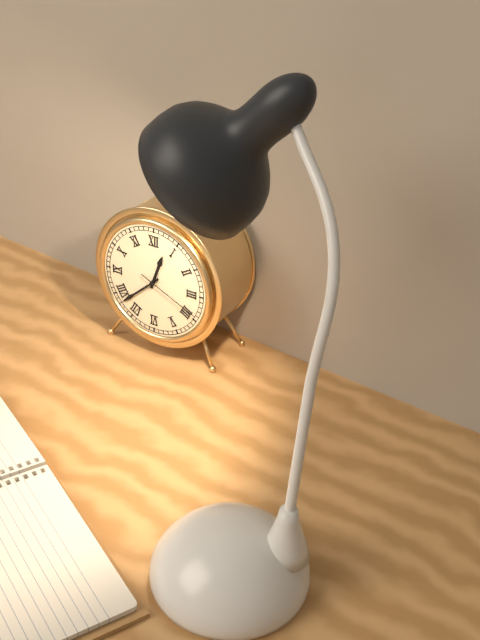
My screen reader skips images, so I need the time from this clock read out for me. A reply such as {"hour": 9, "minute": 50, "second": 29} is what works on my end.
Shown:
{"hour": 12, "minute": 38, "second": 19}
